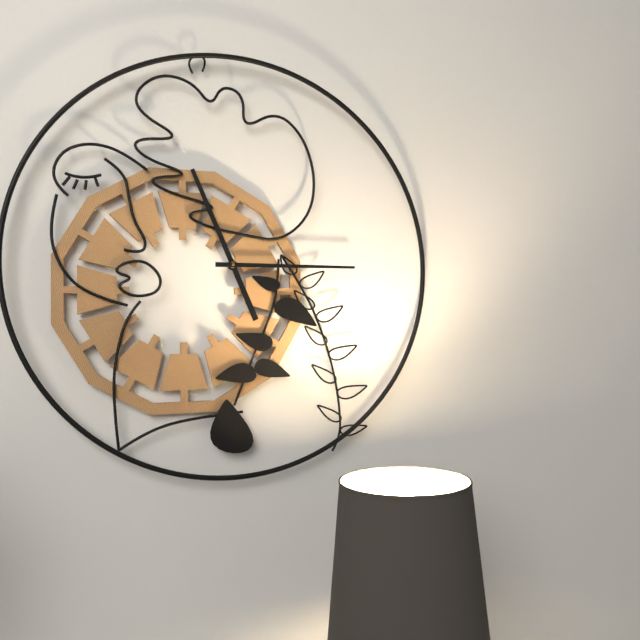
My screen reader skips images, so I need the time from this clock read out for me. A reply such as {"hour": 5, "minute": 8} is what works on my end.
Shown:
{"hour": 11, "minute": 15}
